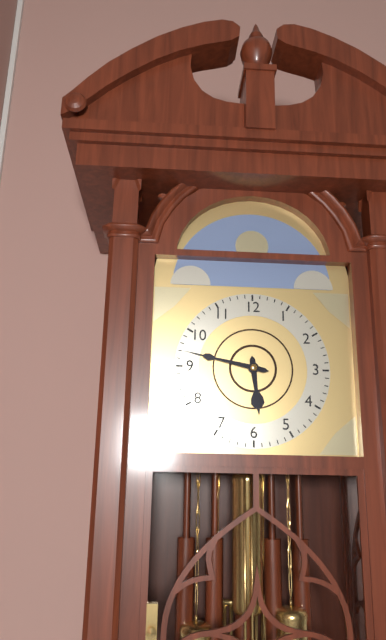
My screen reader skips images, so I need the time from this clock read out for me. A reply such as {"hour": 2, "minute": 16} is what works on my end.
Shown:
{"hour": 5, "minute": 47}
